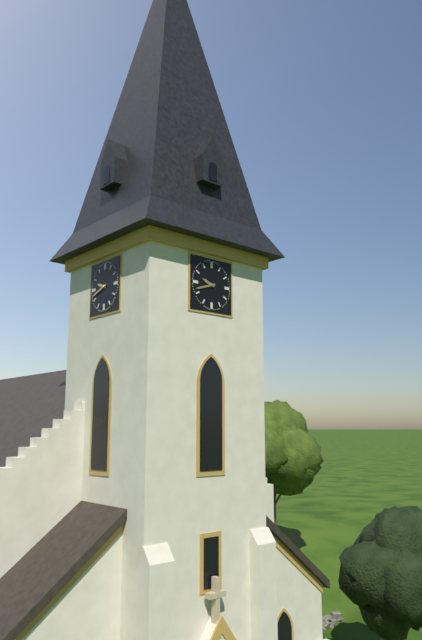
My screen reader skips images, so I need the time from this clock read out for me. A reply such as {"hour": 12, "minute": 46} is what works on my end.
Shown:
{"hour": 9, "minute": 42}
